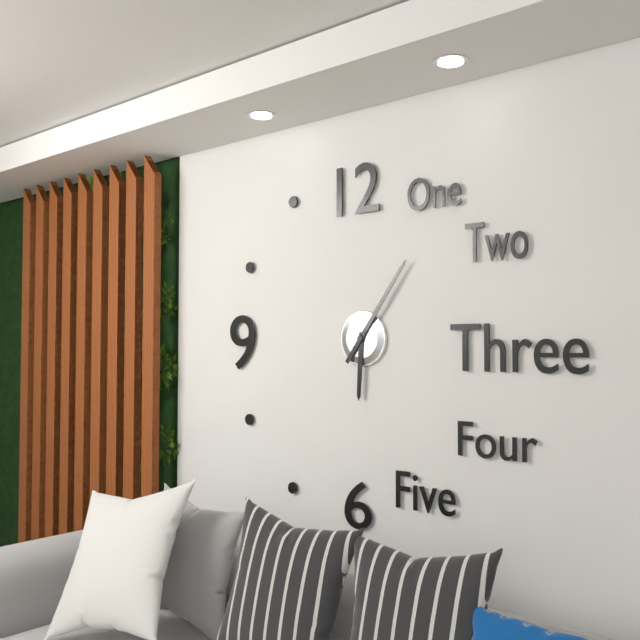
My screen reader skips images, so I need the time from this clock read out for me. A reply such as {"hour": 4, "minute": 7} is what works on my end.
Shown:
{"hour": 6, "minute": 6}
